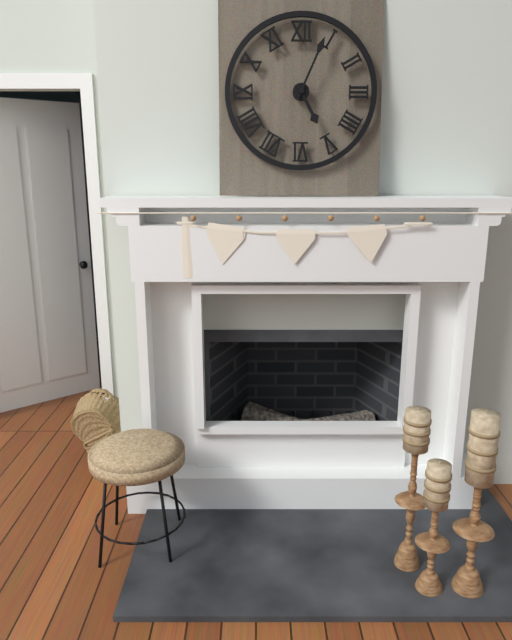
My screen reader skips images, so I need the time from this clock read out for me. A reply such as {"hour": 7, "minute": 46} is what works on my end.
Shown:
{"hour": 5, "minute": 4}
